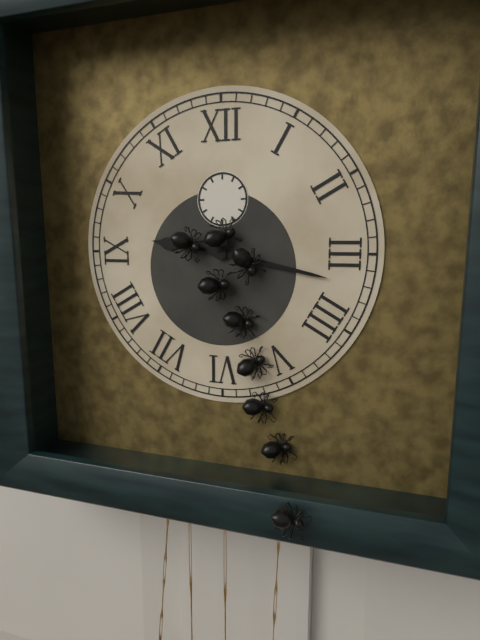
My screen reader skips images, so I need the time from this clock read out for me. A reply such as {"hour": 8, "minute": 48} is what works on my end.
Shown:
{"hour": 9, "minute": 17}
